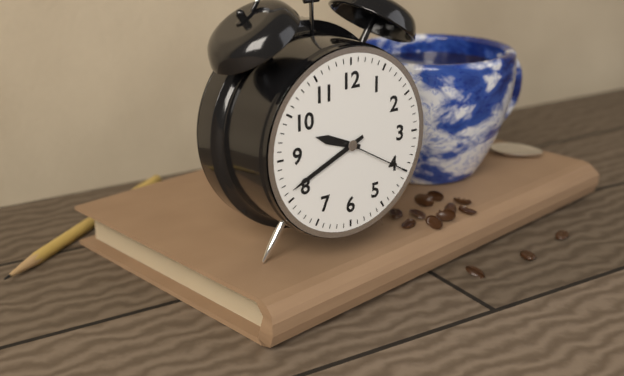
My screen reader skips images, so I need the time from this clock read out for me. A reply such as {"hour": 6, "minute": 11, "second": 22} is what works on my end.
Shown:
{"hour": 9, "minute": 41, "second": 20}
